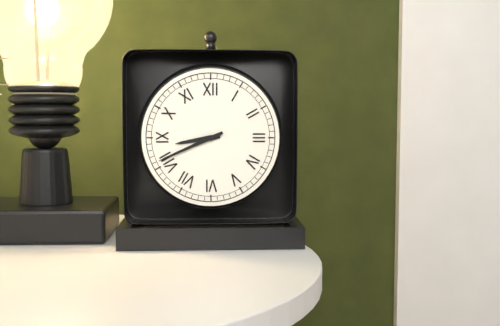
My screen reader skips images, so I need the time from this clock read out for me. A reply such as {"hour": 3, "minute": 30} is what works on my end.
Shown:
{"hour": 8, "minute": 41}
